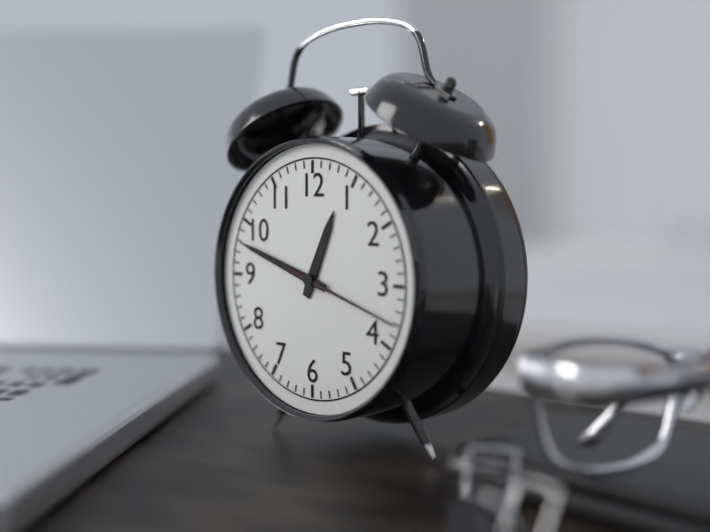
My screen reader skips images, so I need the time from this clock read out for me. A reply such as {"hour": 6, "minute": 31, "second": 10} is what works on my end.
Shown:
{"hour": 12, "minute": 48, "second": 18}
